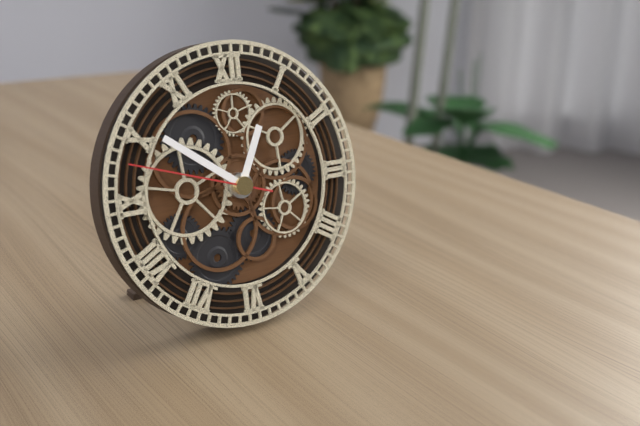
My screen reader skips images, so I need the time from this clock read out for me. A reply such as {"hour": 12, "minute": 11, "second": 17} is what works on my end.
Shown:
{"hour": 12, "minute": 51, "second": 48}
